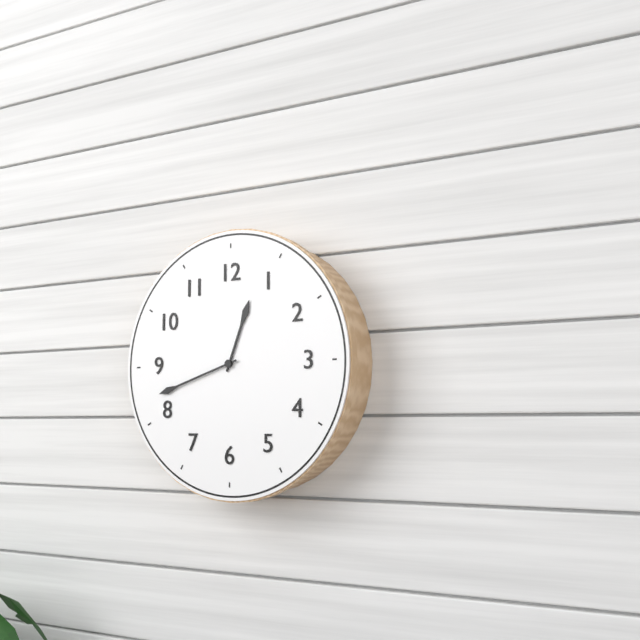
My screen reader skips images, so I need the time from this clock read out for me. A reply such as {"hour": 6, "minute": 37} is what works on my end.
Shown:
{"hour": 12, "minute": 42}
